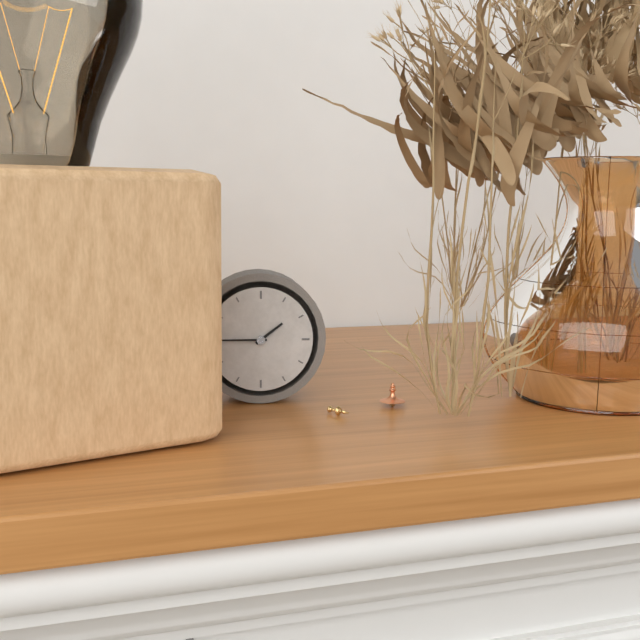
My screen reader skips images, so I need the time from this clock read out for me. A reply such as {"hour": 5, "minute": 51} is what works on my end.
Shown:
{"hour": 1, "minute": 45}
